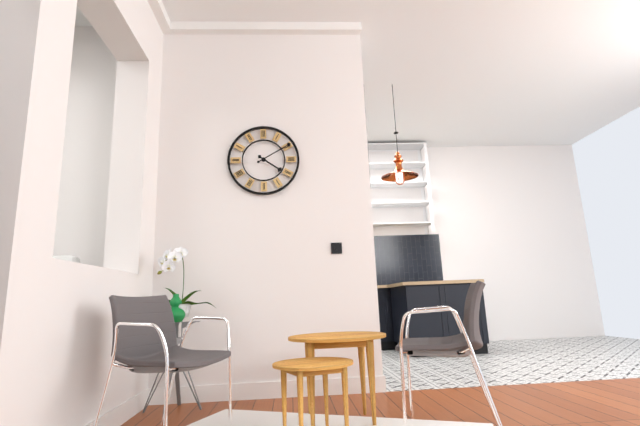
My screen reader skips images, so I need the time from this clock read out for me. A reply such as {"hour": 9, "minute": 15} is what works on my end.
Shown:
{"hour": 4, "minute": 10}
